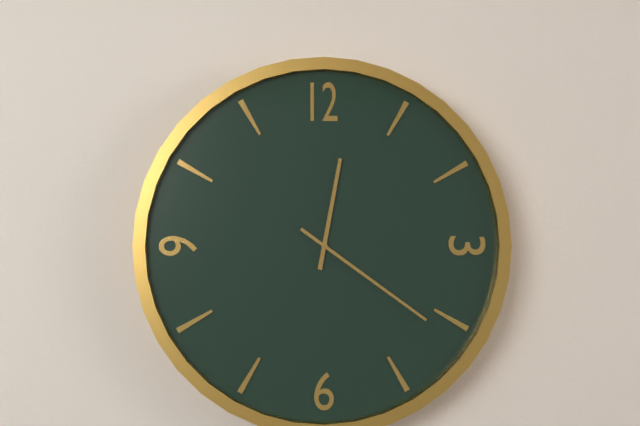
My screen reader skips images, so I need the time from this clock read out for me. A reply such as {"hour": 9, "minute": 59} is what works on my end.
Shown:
{"hour": 12, "minute": 21}
